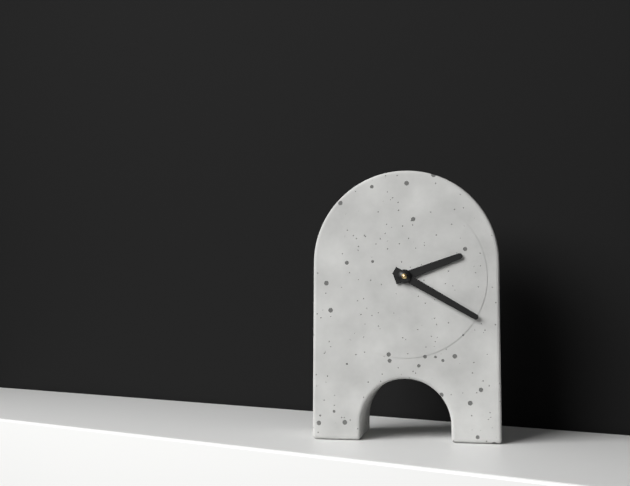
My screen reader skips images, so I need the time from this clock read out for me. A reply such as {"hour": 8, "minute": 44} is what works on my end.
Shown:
{"hour": 2, "minute": 20}
